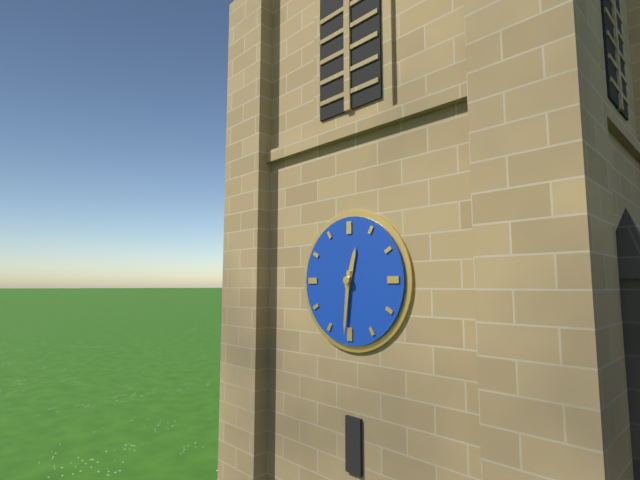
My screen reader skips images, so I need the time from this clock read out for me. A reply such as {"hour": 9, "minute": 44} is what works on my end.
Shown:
{"hour": 12, "minute": 31}
